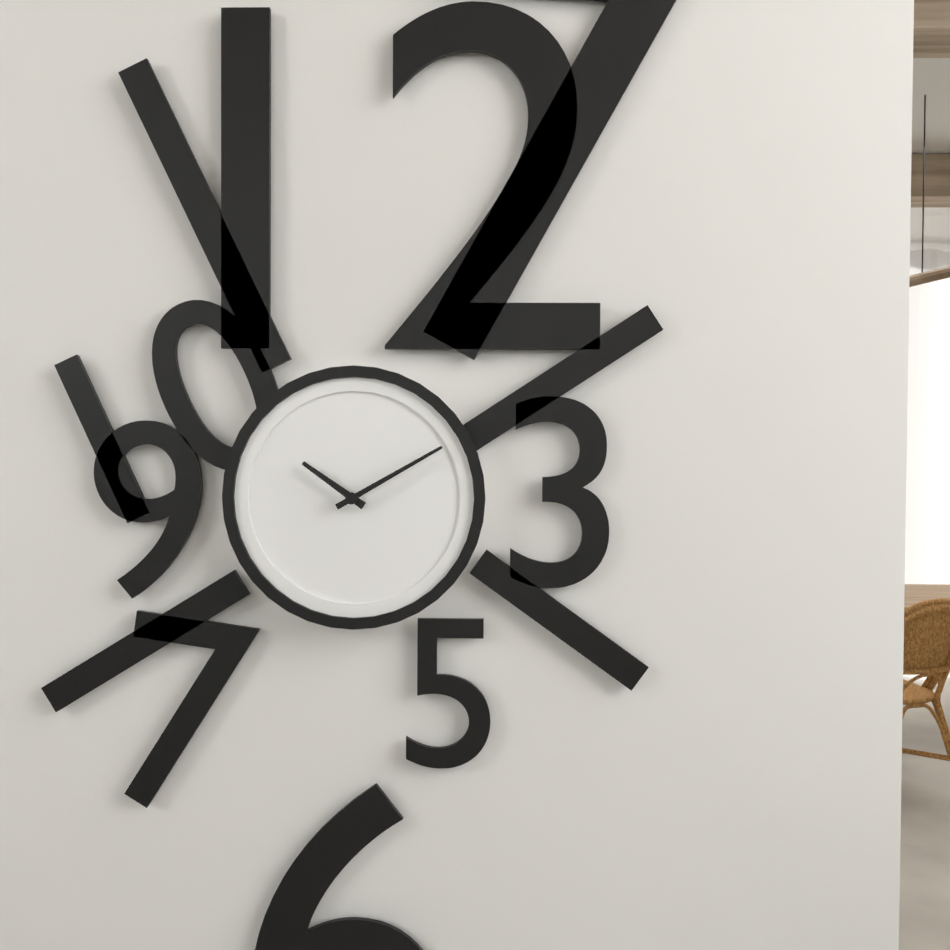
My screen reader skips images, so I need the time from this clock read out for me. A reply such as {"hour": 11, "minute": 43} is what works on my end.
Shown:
{"hour": 10, "minute": 10}
